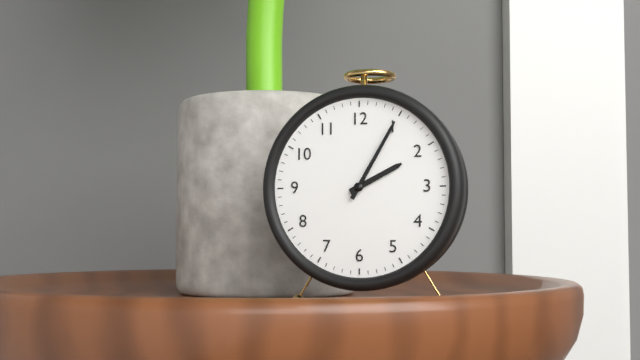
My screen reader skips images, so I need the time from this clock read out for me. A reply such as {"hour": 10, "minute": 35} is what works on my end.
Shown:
{"hour": 2, "minute": 5}
